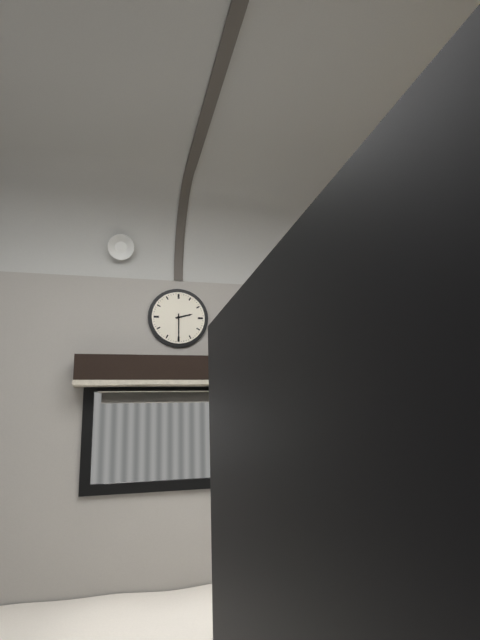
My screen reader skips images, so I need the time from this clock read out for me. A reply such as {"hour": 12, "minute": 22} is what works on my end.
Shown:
{"hour": 2, "minute": 30}
